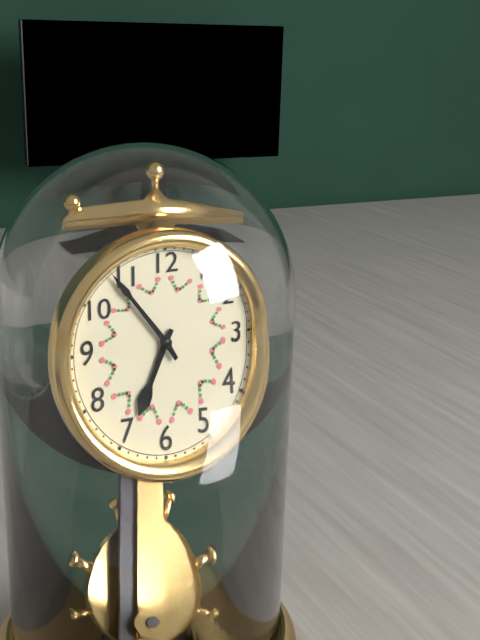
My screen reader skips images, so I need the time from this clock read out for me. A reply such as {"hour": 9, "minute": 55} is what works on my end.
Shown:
{"hour": 6, "minute": 54}
